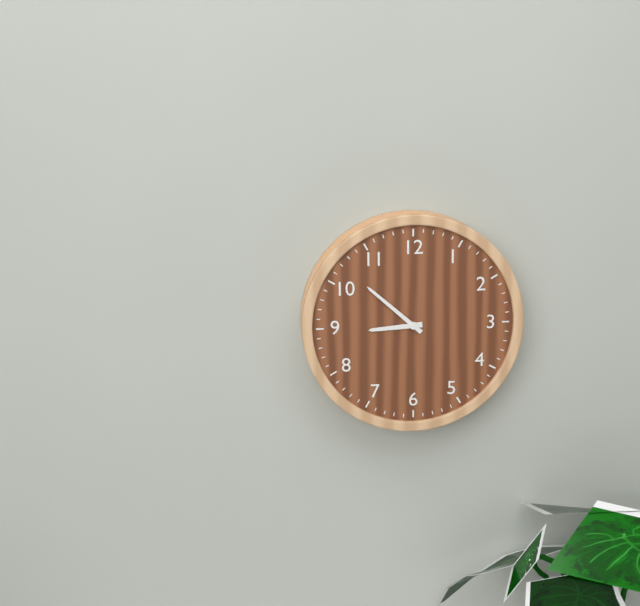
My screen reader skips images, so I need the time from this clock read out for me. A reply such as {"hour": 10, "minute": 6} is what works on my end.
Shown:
{"hour": 8, "minute": 52}
